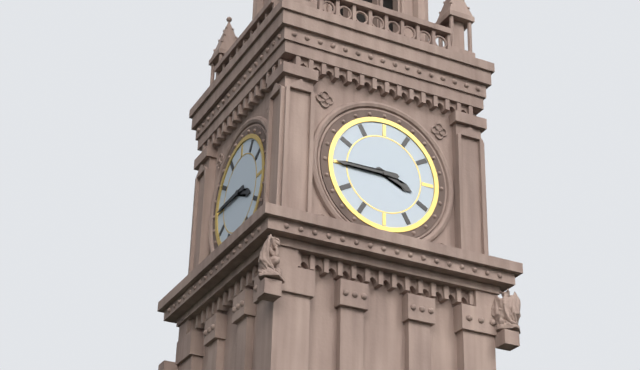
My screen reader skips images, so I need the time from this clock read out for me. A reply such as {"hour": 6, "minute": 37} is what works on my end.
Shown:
{"hour": 3, "minute": 45}
